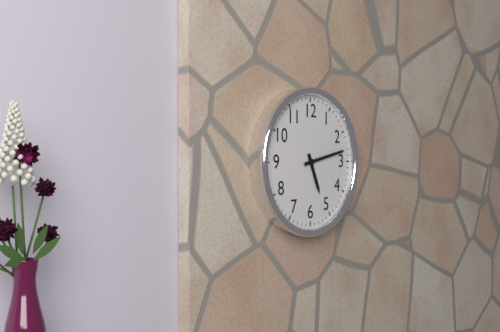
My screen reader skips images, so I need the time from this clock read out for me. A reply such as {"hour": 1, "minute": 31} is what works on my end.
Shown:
{"hour": 5, "minute": 13}
